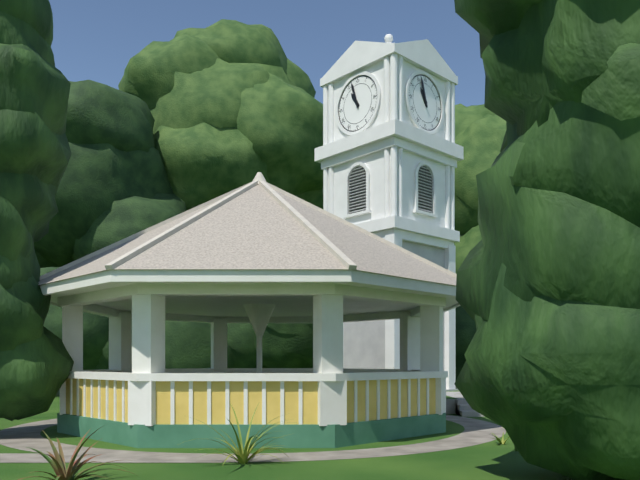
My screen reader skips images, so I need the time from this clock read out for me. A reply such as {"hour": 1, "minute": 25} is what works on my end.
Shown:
{"hour": 10, "minute": 57}
